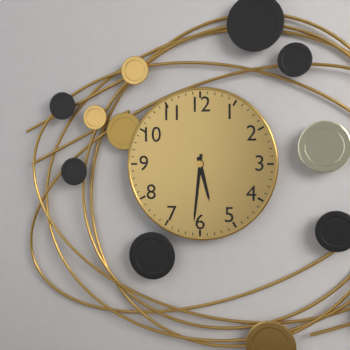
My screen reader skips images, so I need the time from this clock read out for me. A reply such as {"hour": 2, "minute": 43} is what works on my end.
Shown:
{"hour": 5, "minute": 31}
